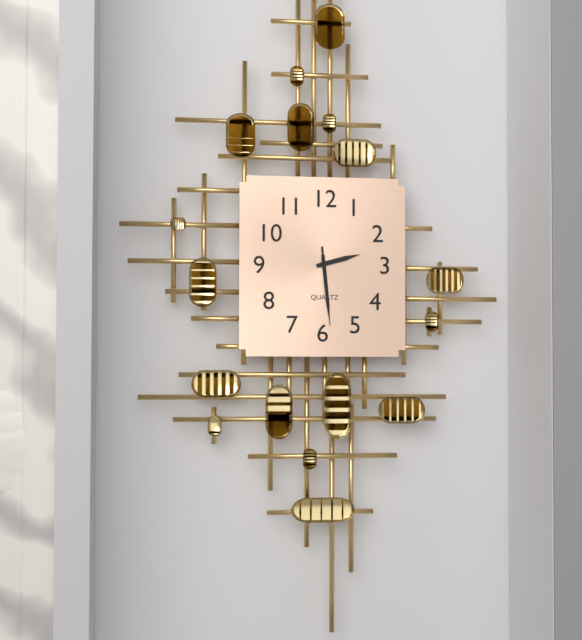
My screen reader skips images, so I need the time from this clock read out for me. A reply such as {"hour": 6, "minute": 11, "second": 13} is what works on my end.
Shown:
{"hour": 2, "minute": 29, "second": 29}
